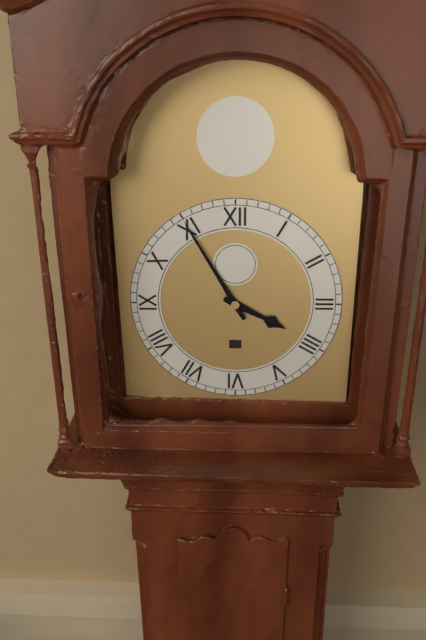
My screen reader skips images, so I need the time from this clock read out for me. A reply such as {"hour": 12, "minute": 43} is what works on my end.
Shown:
{"hour": 3, "minute": 55}
